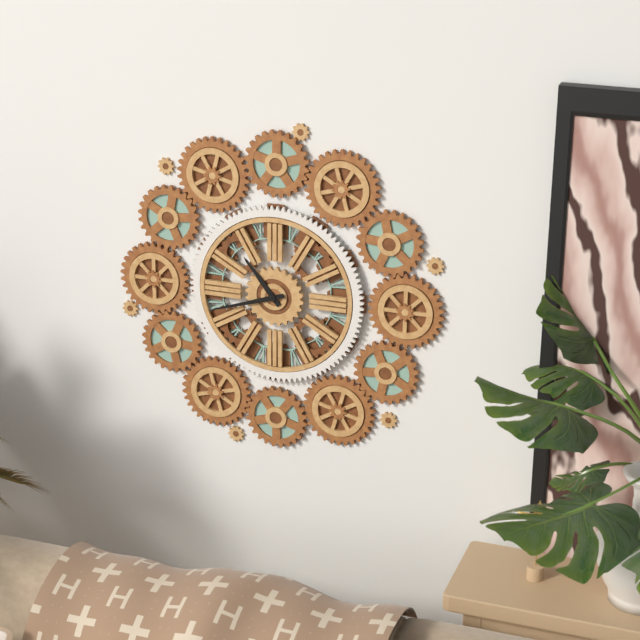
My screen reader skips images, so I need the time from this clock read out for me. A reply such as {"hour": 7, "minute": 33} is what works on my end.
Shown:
{"hour": 10, "minute": 42}
